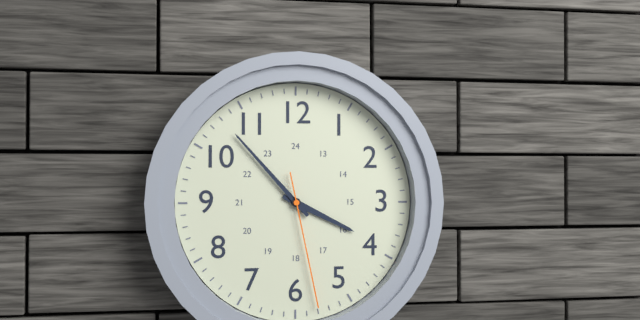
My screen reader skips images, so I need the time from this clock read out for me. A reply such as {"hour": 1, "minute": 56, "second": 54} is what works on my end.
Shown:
{"hour": 3, "minute": 53, "second": 28}
